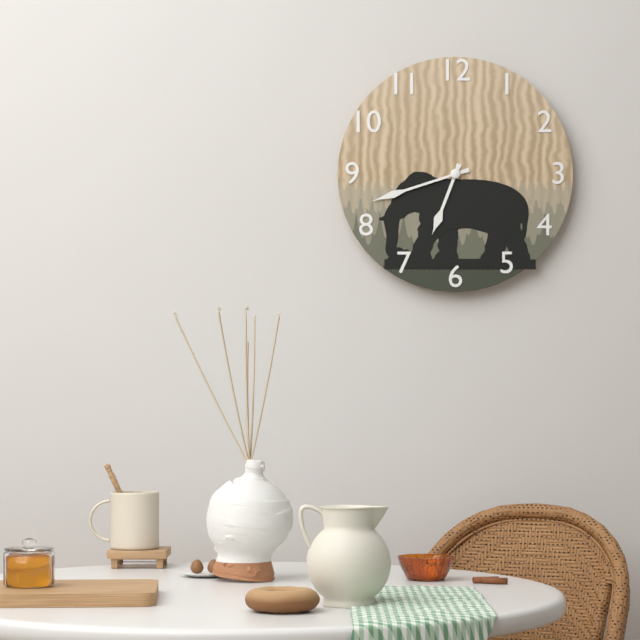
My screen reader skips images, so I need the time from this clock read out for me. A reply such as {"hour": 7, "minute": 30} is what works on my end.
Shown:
{"hour": 6, "minute": 42}
